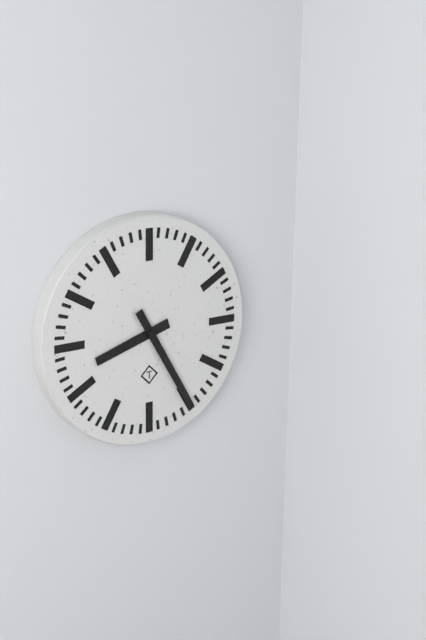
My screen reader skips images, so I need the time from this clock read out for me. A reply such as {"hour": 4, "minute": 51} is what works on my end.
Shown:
{"hour": 8, "minute": 25}
